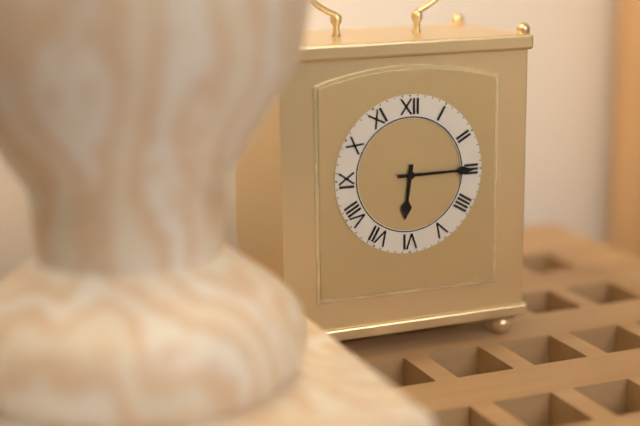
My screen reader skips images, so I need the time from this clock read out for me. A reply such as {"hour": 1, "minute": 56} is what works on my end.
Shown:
{"hour": 6, "minute": 15}
